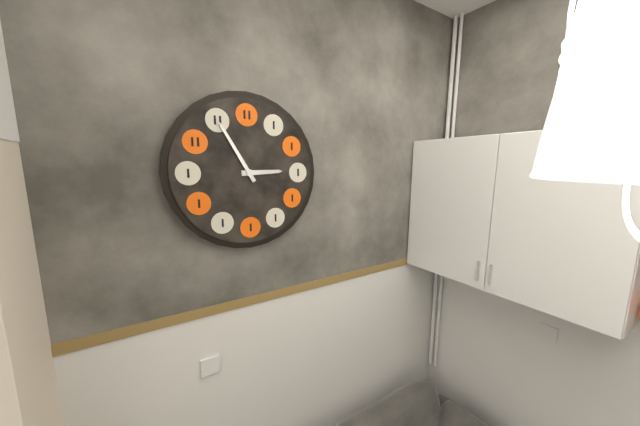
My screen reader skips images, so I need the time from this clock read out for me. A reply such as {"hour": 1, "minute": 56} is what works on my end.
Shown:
{"hour": 2, "minute": 55}
